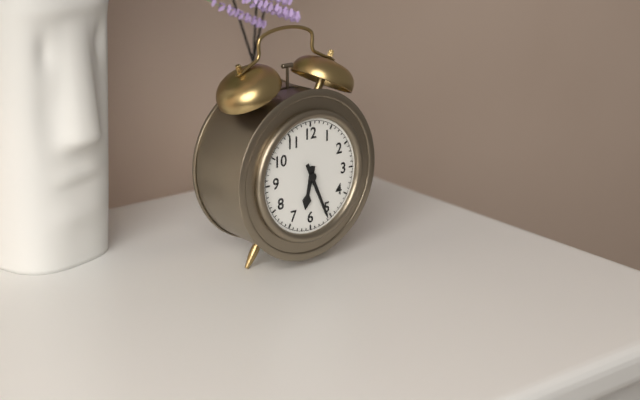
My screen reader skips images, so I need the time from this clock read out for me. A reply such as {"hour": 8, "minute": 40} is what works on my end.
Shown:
{"hour": 6, "minute": 26}
